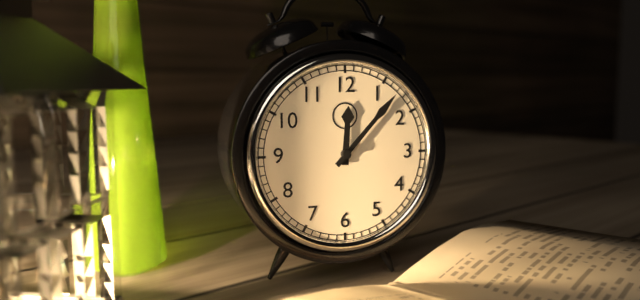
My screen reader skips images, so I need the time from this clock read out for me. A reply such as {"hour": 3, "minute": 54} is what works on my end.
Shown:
{"hour": 12, "minute": 7}
